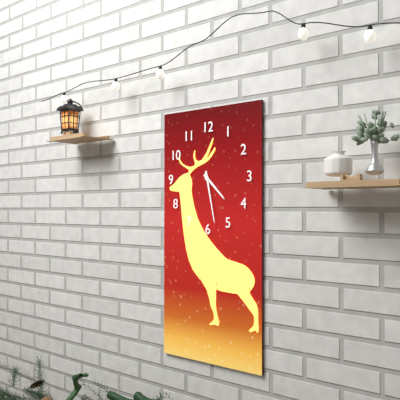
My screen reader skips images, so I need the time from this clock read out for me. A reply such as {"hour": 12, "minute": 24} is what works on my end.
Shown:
{"hour": 4, "minute": 28}
